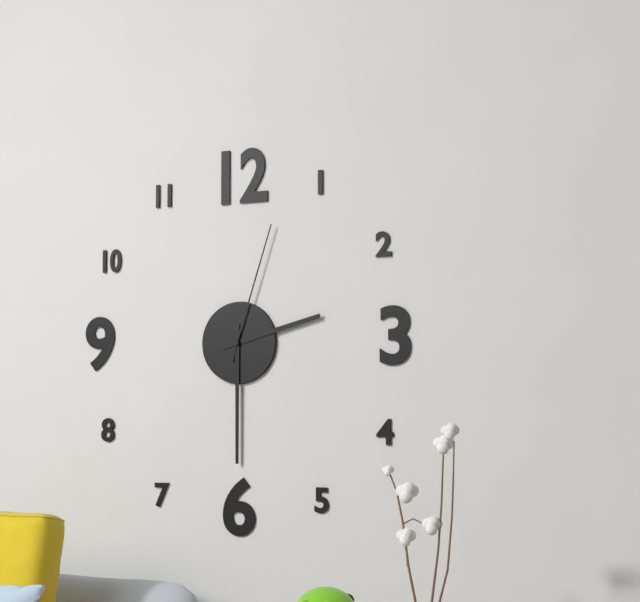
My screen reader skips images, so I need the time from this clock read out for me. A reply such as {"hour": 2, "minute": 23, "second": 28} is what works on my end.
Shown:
{"hour": 2, "minute": 30, "second": 3}
